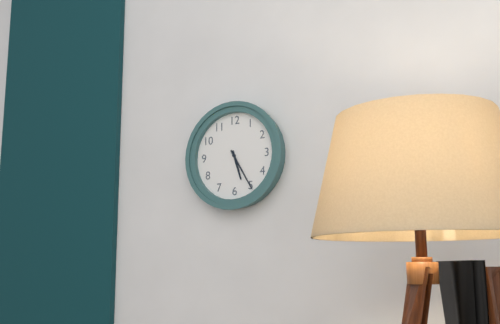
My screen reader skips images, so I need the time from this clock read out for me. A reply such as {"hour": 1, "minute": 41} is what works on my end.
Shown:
{"hour": 5, "minute": 25}
